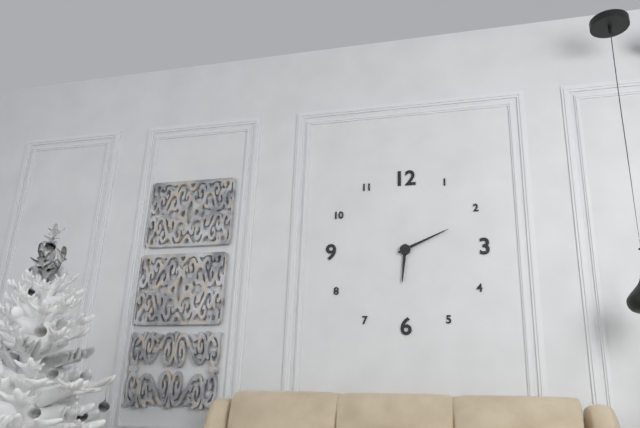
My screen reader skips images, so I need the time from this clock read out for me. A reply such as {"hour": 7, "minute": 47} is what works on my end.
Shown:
{"hour": 6, "minute": 11}
